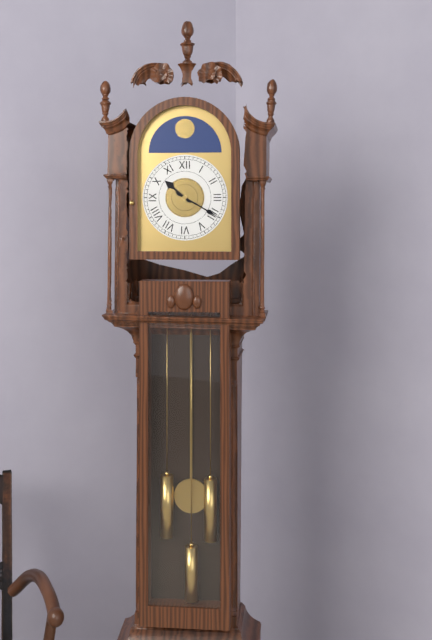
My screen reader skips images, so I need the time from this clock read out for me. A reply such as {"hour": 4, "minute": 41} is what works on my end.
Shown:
{"hour": 10, "minute": 20}
